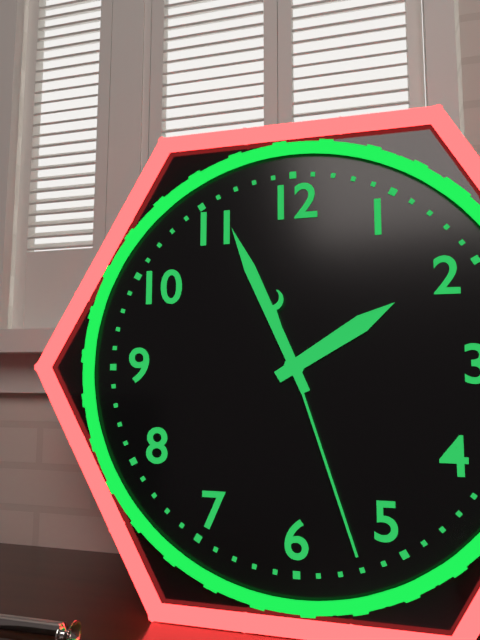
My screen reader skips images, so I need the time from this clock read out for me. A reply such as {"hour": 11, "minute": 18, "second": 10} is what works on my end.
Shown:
{"hour": 1, "minute": 56, "second": 27}
